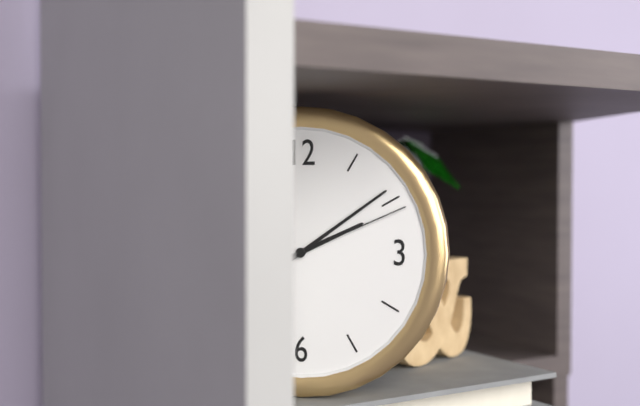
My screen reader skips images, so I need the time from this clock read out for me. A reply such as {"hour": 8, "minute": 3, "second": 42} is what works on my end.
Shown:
{"hour": 2, "minute": 9, "second": 11}
